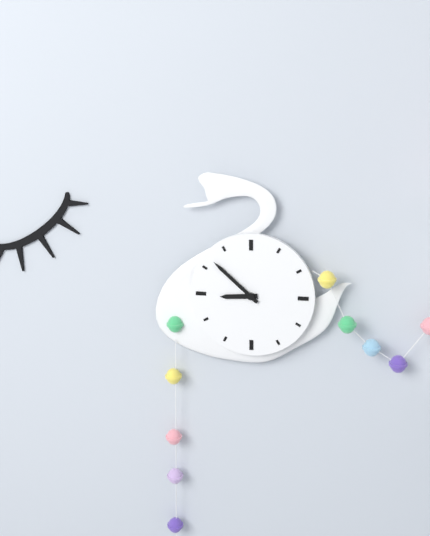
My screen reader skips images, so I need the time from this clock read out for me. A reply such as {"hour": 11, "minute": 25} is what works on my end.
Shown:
{"hour": 8, "minute": 52}
